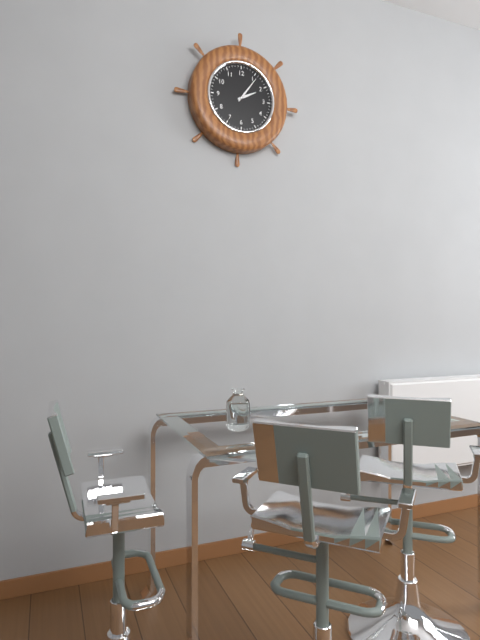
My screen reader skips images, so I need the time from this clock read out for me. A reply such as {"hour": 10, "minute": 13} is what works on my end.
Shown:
{"hour": 2, "minute": 6}
